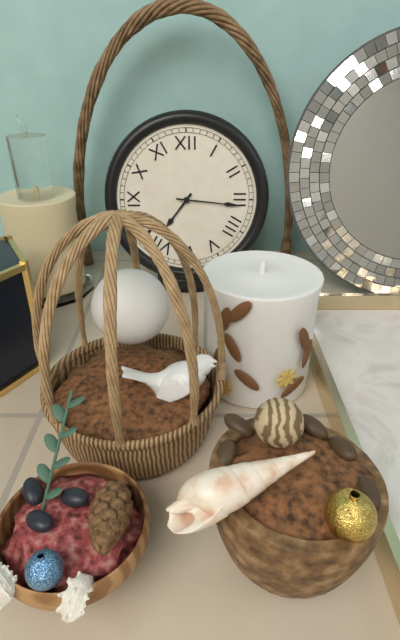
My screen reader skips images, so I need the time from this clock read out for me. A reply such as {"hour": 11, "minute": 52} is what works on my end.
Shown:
{"hour": 7, "minute": 16}
